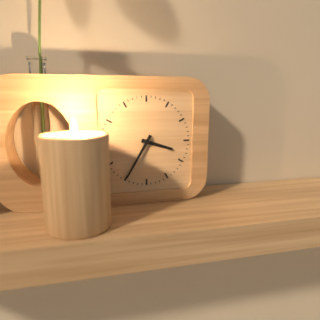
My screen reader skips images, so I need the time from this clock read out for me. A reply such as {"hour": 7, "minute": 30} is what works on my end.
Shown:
{"hour": 3, "minute": 35}
